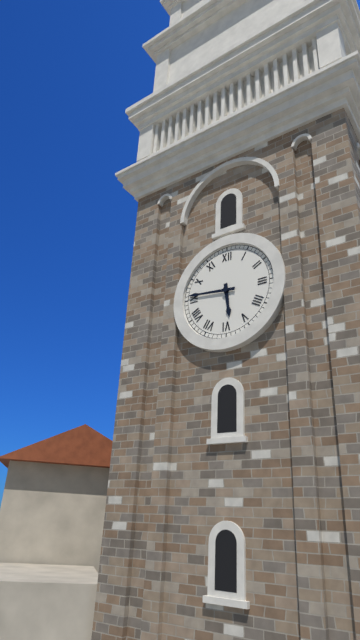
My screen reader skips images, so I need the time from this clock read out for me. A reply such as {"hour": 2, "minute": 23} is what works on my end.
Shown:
{"hour": 5, "minute": 46}
